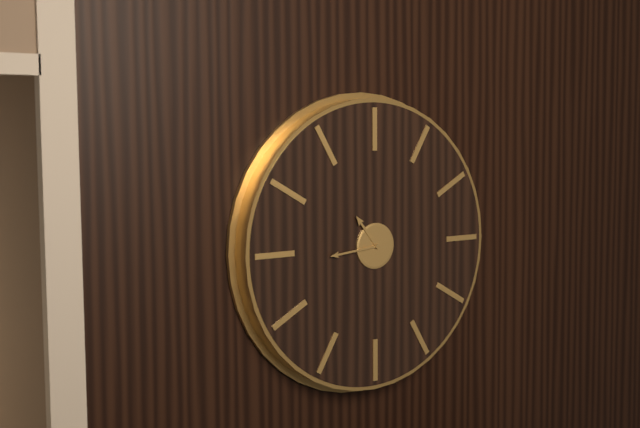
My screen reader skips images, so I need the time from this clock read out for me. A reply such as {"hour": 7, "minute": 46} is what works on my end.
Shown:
{"hour": 10, "minute": 44}
